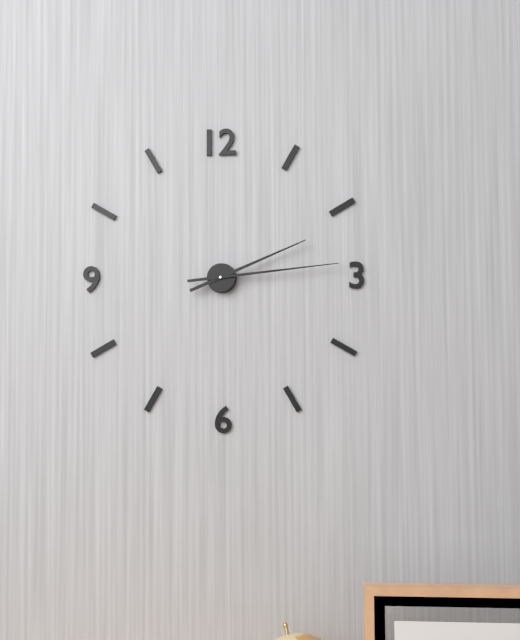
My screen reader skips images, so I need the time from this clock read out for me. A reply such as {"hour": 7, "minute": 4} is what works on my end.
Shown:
{"hour": 2, "minute": 14}
